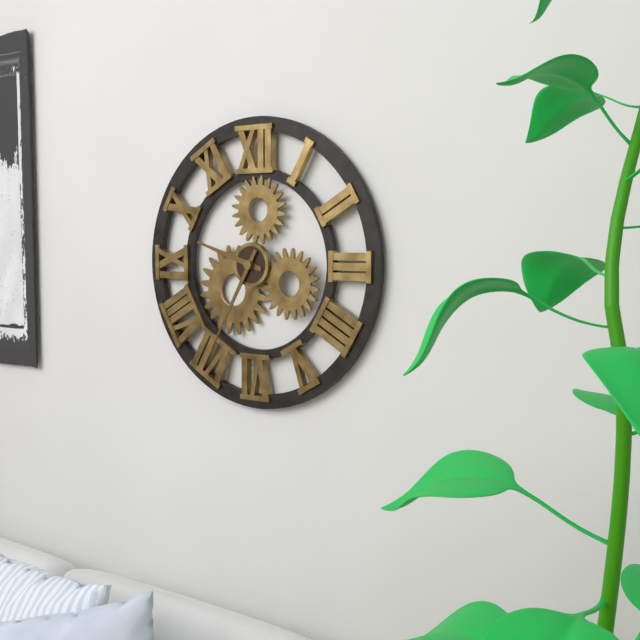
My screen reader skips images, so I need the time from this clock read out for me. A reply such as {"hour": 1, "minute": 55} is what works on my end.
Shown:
{"hour": 9, "minute": 35}
